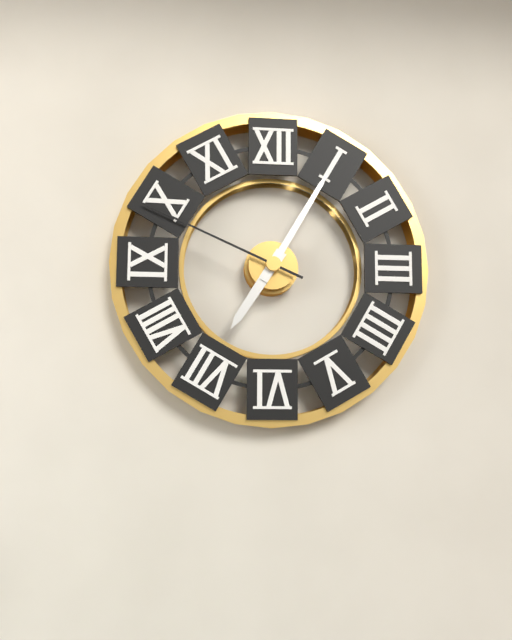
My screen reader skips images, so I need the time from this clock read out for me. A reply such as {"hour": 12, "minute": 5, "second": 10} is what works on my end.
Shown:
{"hour": 7, "minute": 5, "second": 49}
